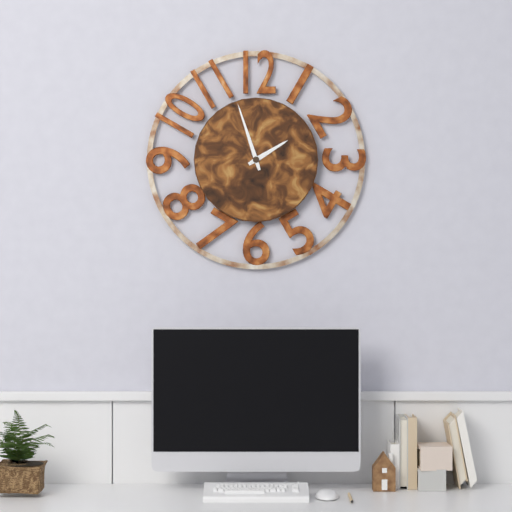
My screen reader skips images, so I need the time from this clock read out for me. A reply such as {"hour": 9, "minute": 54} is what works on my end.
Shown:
{"hour": 1, "minute": 57}
